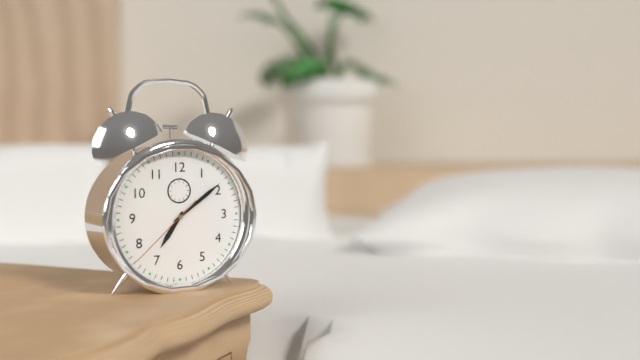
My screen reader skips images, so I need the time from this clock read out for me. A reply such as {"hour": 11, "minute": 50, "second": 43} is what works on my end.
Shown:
{"hour": 7, "minute": 9, "second": 38}
